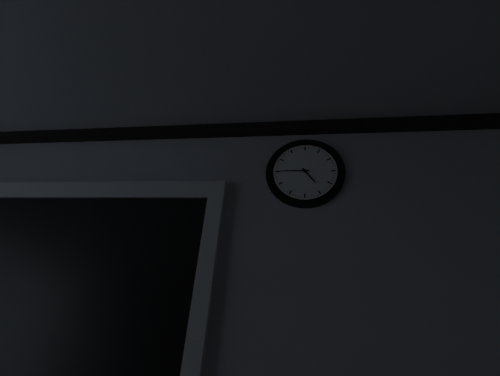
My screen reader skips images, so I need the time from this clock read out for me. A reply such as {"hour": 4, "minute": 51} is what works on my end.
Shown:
{"hour": 4, "minute": 45}
